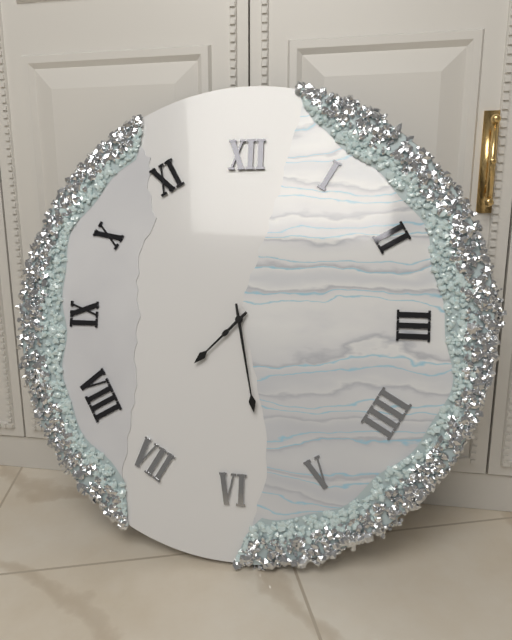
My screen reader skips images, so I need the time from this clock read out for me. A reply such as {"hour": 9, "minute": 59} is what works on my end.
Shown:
{"hour": 7, "minute": 28}
